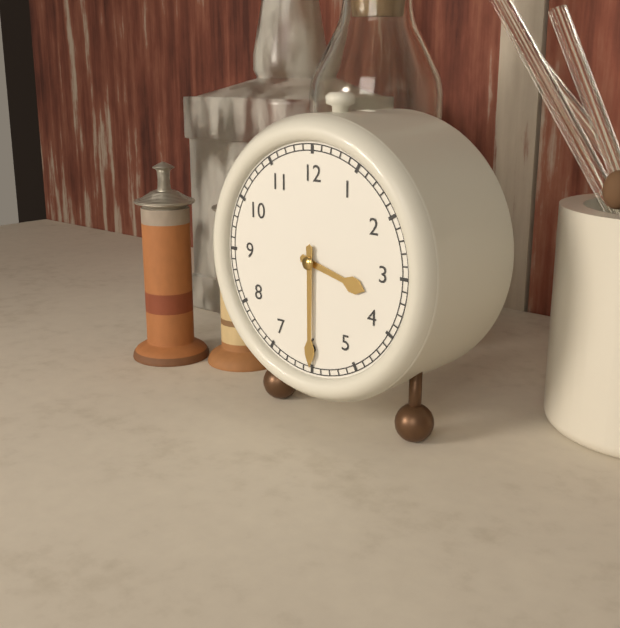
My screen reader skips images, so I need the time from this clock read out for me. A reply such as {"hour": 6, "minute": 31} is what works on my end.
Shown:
{"hour": 3, "minute": 30}
